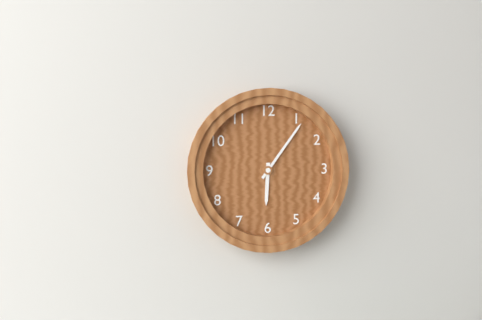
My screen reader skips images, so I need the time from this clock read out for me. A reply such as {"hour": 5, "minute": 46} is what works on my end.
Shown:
{"hour": 6, "minute": 6}
